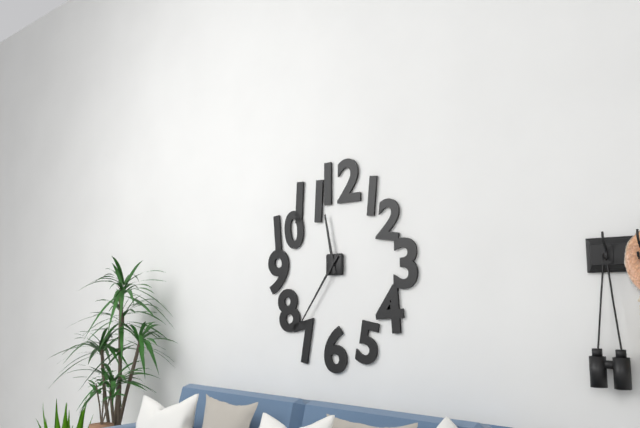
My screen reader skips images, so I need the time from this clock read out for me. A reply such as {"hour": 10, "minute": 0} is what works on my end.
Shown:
{"hour": 11, "minute": 36}
